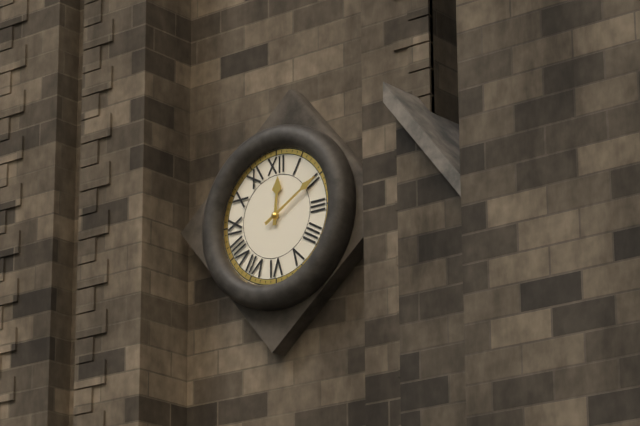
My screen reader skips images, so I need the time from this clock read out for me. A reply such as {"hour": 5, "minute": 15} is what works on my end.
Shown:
{"hour": 12, "minute": 10}
